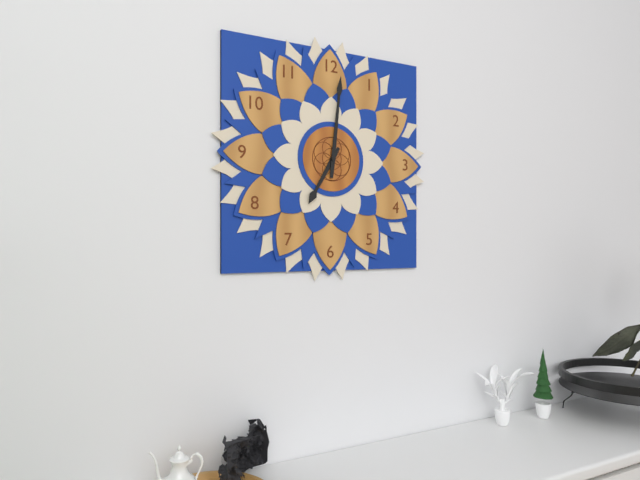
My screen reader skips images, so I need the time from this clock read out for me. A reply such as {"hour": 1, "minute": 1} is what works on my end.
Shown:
{"hour": 7, "minute": 1}
